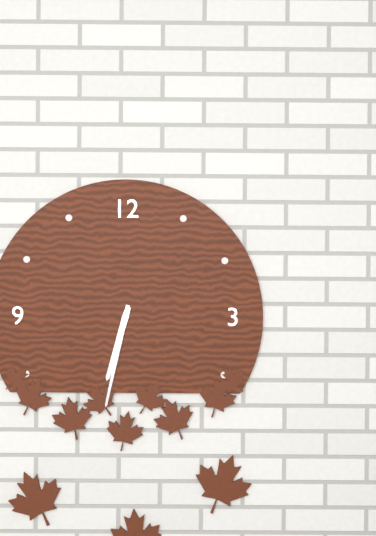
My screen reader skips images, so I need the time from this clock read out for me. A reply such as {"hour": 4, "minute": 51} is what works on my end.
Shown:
{"hour": 6, "minute": 32}
